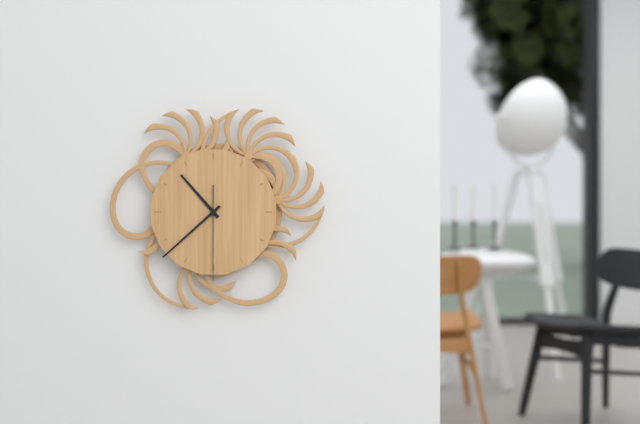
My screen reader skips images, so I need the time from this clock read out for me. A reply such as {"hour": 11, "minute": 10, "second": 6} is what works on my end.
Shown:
{"hour": 10, "minute": 38, "second": 30}
